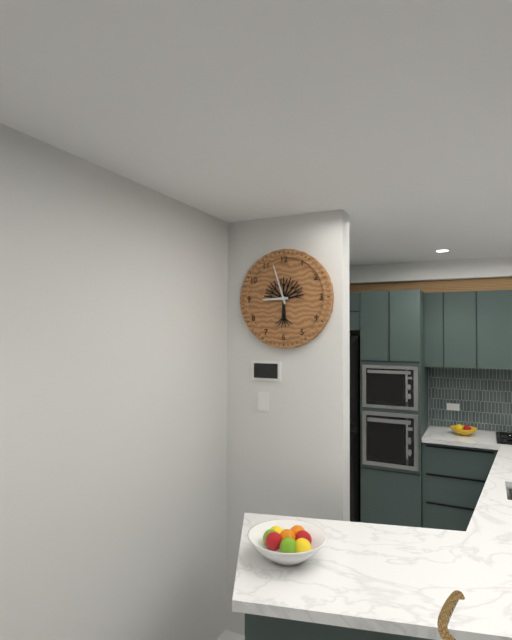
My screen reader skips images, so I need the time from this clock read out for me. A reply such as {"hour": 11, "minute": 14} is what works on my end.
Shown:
{"hour": 8, "minute": 57}
